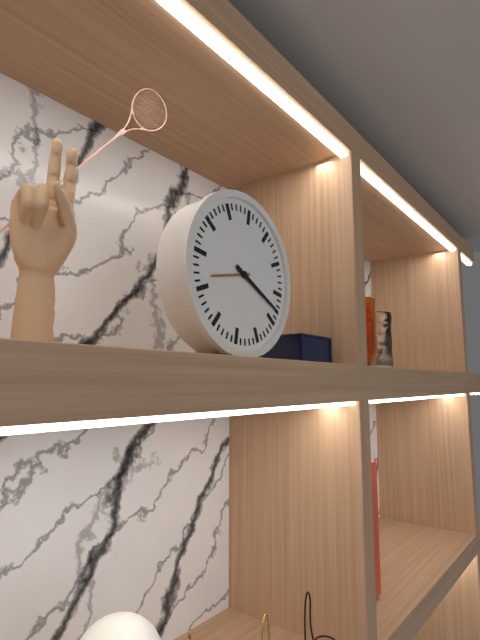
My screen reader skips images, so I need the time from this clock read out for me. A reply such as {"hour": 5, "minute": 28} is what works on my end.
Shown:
{"hour": 8, "minute": 18}
